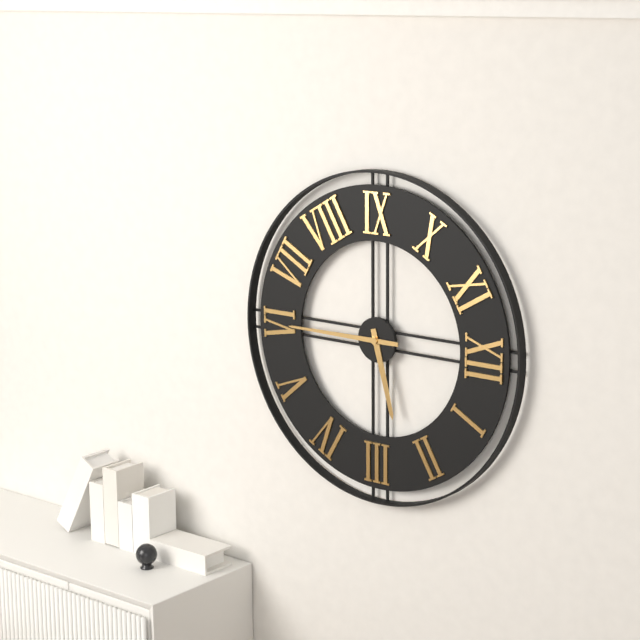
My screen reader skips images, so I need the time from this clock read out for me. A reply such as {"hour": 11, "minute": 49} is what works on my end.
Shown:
{"hour": 2, "minute": 30}
